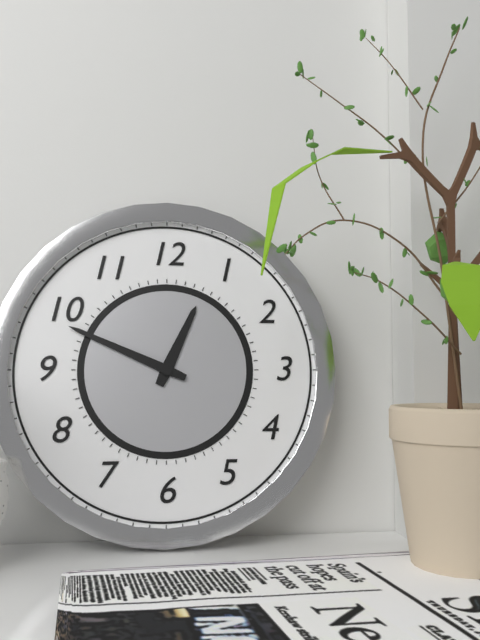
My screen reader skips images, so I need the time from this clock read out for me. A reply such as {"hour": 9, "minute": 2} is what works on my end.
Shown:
{"hour": 12, "minute": 49}
